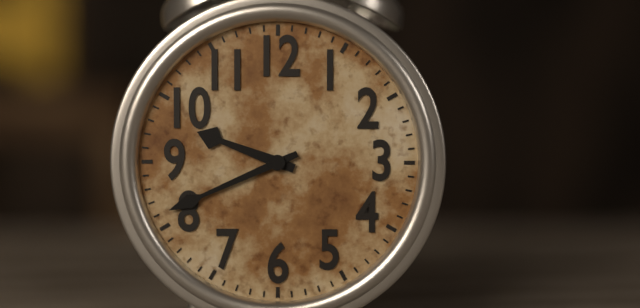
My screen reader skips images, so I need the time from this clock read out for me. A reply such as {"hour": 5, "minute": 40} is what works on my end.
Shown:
{"hour": 9, "minute": 41}
